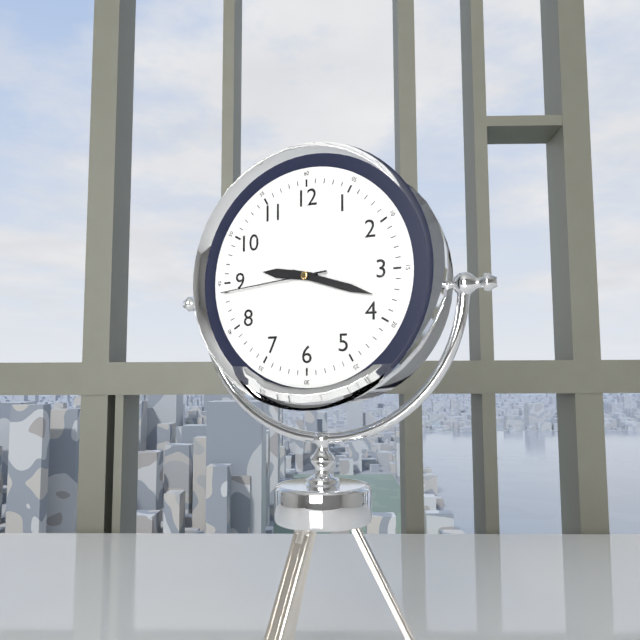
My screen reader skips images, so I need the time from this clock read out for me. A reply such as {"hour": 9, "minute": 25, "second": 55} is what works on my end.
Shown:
{"hour": 9, "minute": 18, "second": 44}
